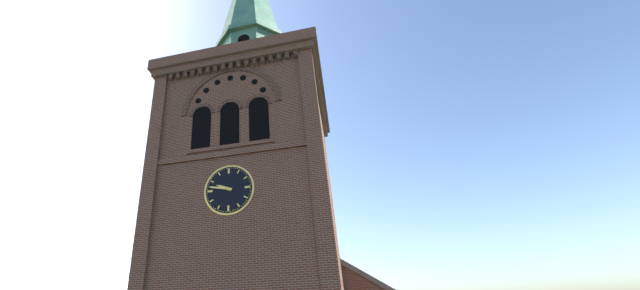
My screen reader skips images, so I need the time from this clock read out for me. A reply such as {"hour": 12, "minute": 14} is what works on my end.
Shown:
{"hour": 9, "minute": 47}
